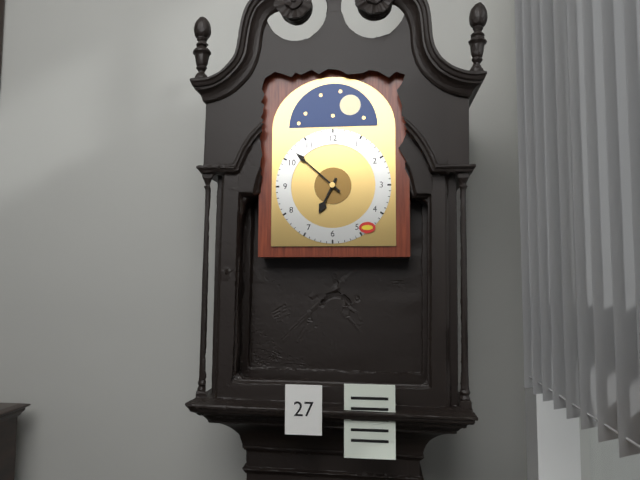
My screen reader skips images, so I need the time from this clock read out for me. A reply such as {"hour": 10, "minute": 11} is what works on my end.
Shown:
{"hour": 6, "minute": 52}
